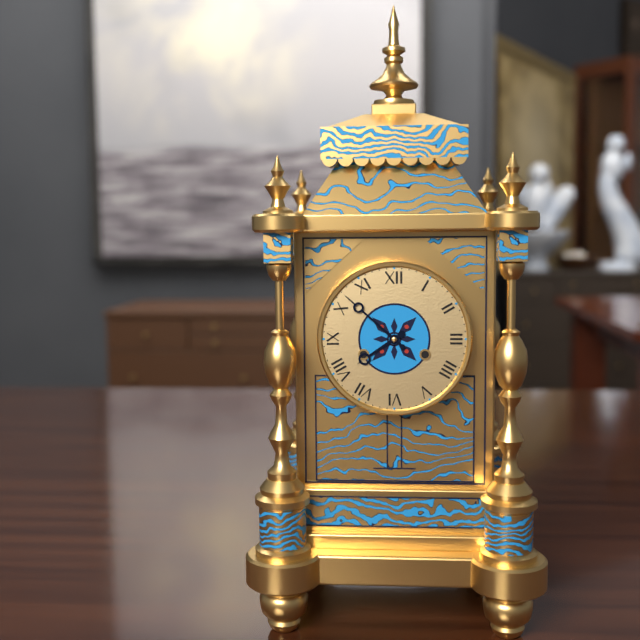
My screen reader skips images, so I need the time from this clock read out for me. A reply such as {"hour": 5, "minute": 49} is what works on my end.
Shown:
{"hour": 7, "minute": 52}
